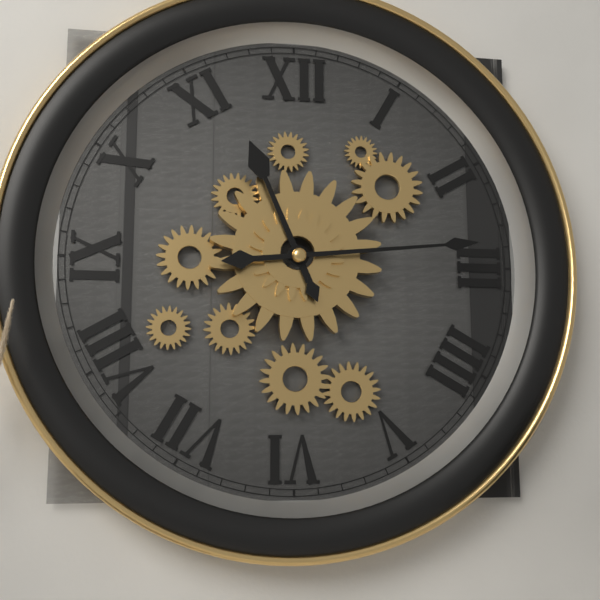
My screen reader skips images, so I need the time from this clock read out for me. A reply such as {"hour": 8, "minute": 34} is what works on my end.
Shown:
{"hour": 11, "minute": 14}
